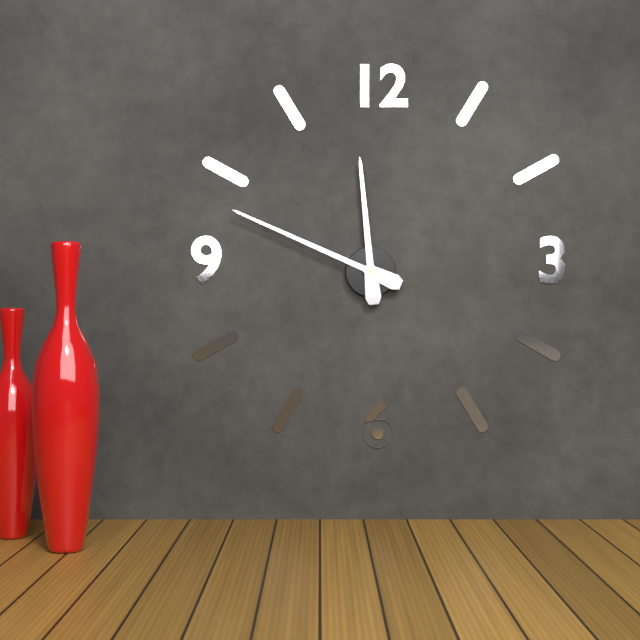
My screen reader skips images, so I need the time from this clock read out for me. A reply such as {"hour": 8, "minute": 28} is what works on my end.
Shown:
{"hour": 11, "minute": 49}
